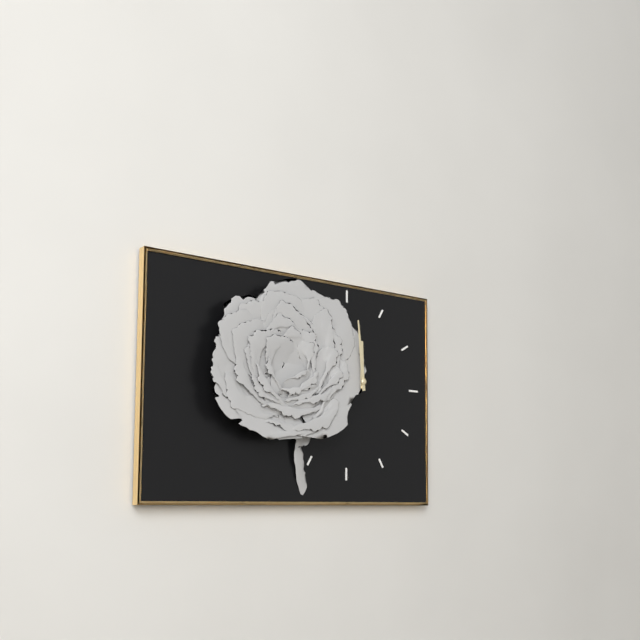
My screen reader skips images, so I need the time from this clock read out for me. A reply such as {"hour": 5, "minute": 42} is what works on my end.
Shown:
{"hour": 11, "minute": 59}
